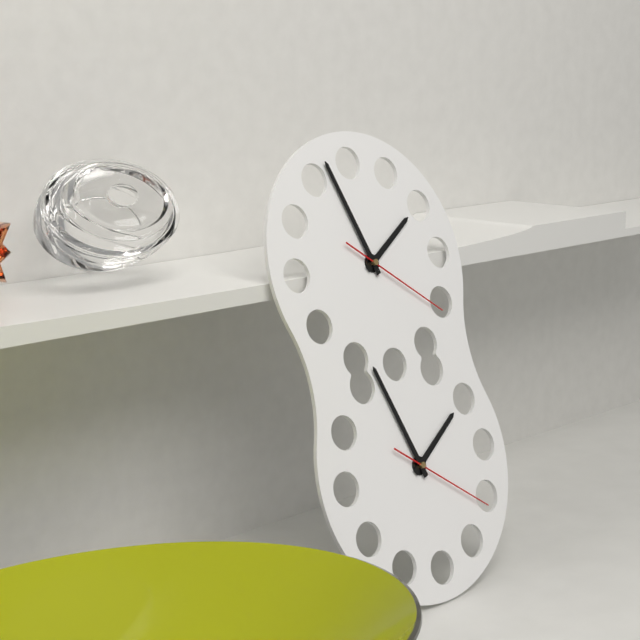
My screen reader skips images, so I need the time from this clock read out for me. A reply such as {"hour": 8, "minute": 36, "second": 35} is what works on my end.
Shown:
{"hour": 1, "minute": 57, "second": 21}
